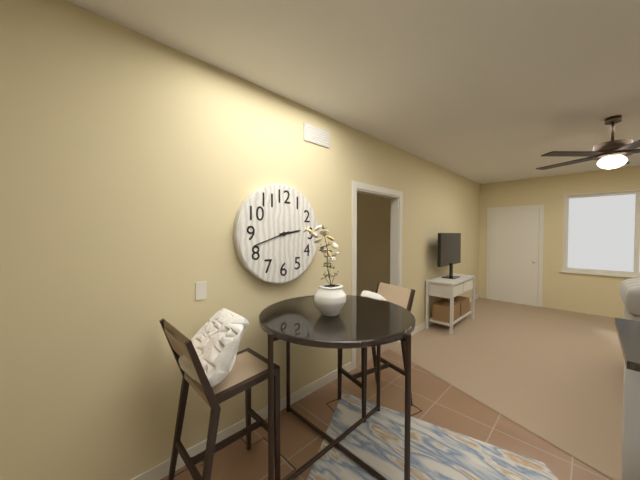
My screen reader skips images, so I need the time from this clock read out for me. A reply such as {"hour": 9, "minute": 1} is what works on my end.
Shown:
{"hour": 2, "minute": 42}
